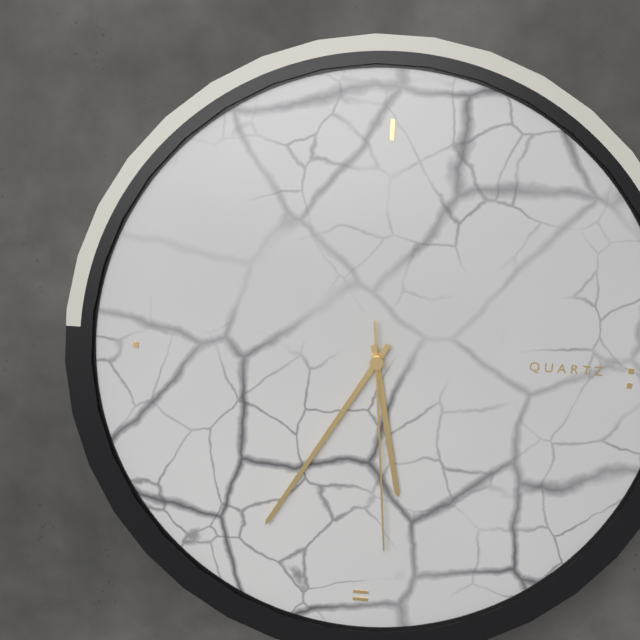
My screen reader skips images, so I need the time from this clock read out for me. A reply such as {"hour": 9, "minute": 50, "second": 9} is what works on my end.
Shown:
{"hour": 5, "minute": 35, "second": 29}
